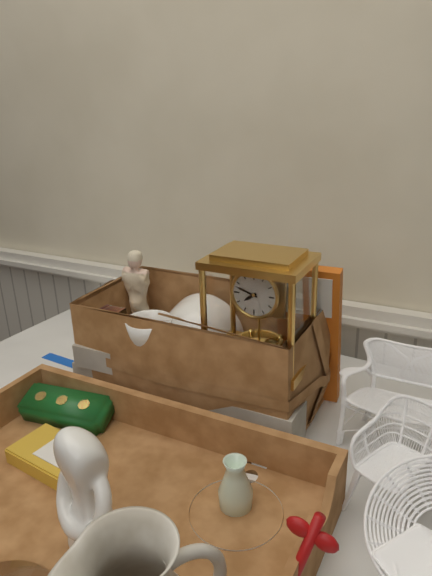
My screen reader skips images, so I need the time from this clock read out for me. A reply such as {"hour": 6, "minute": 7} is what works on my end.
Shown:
{"hour": 7, "minute": 48}
